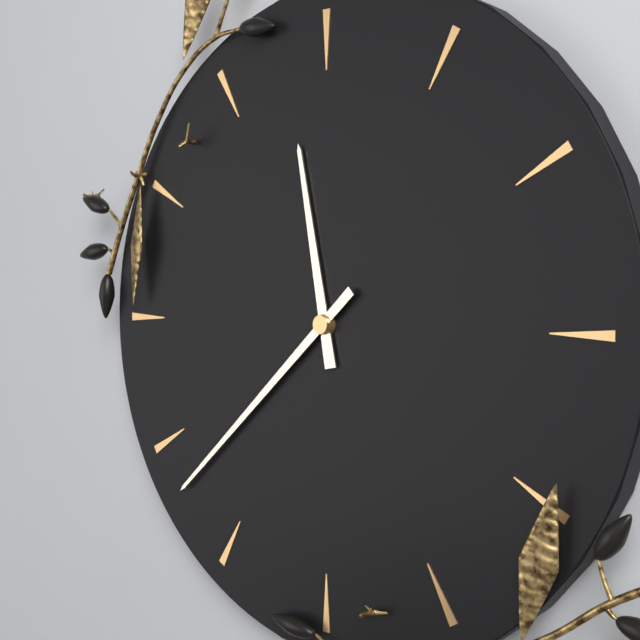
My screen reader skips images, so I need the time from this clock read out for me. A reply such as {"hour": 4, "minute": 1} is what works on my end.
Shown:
{"hour": 11, "minute": 38}
